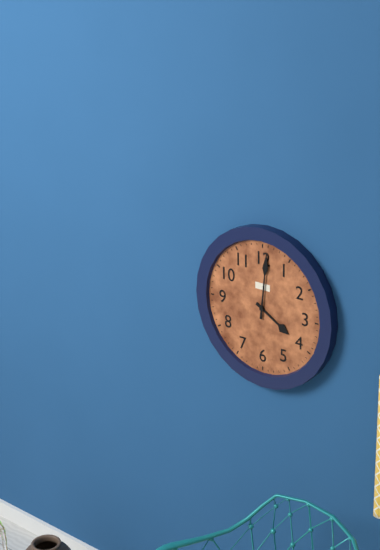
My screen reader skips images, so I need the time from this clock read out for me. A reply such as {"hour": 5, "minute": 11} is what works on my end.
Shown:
{"hour": 4, "minute": 1}
